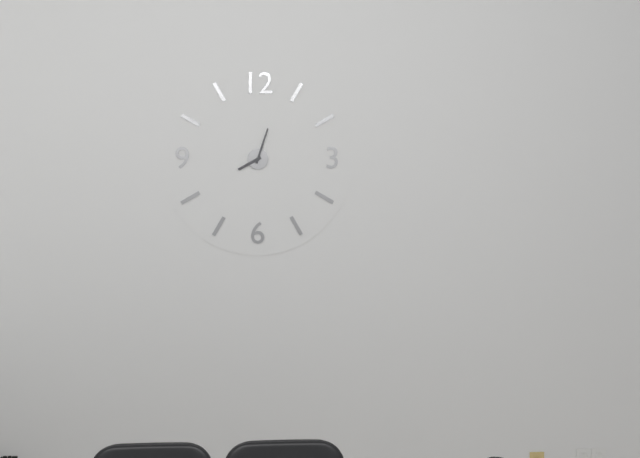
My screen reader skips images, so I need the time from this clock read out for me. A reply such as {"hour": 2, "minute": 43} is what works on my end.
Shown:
{"hour": 8, "minute": 3}
